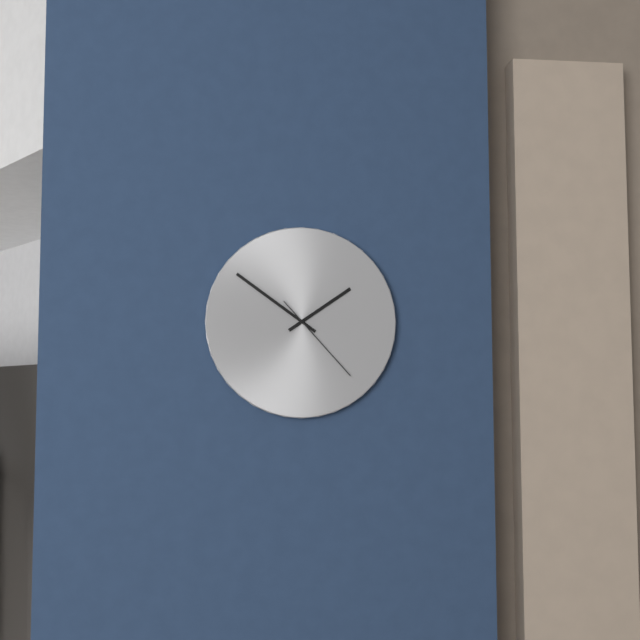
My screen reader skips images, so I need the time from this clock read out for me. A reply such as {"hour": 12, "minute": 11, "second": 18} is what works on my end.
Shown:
{"hour": 1, "minute": 51, "second": 23}
